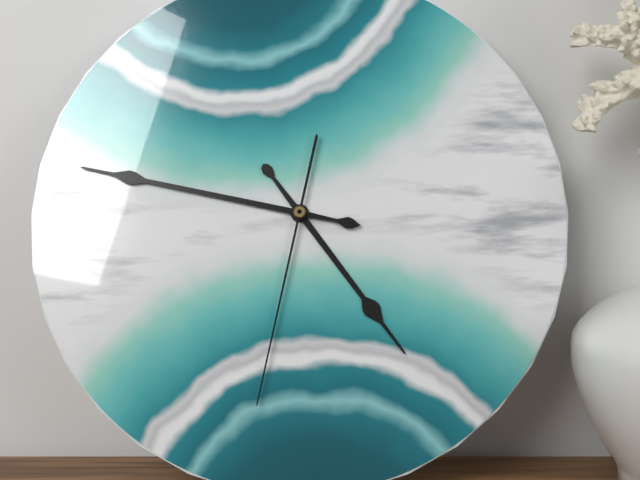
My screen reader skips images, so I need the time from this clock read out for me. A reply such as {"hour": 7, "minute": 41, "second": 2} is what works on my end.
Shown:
{"hour": 4, "minute": 47, "second": 32}
